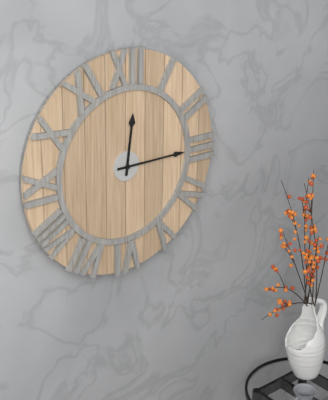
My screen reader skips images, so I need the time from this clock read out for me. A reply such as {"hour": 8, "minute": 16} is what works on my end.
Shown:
{"hour": 12, "minute": 15}
